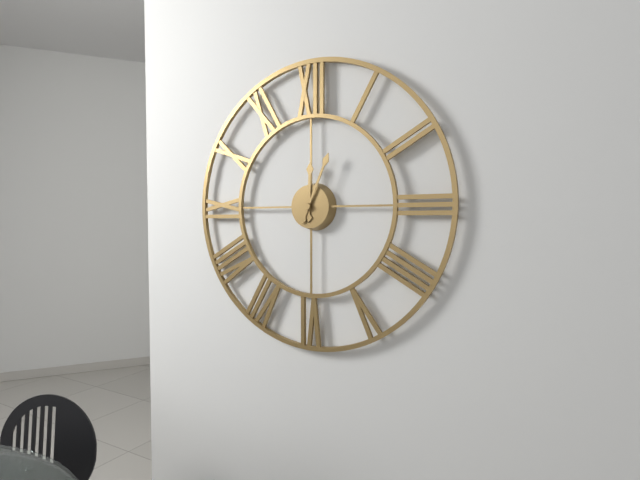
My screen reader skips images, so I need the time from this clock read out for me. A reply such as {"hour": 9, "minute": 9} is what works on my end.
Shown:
{"hour": 12, "minute": 4}
